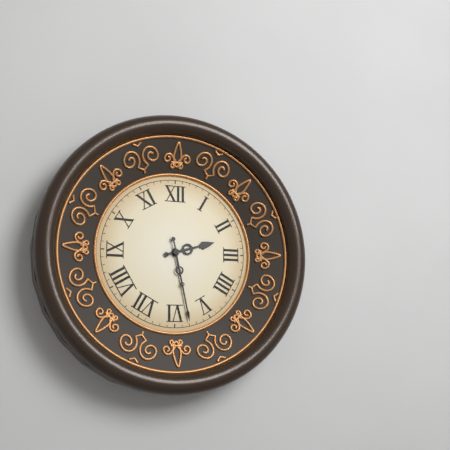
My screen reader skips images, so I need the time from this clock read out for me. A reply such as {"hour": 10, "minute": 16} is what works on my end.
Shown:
{"hour": 2, "minute": 28}
